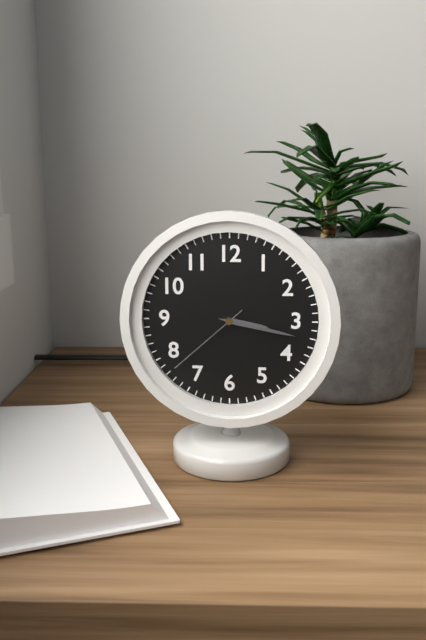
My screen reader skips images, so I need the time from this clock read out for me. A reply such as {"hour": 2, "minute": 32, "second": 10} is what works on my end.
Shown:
{"hour": 3, "minute": 17, "second": 38}
